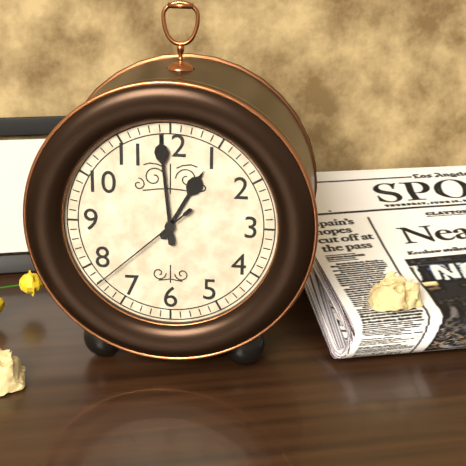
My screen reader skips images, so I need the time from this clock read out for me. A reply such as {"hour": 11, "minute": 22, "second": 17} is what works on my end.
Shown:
{"hour": 12, "minute": 59, "second": 38}
